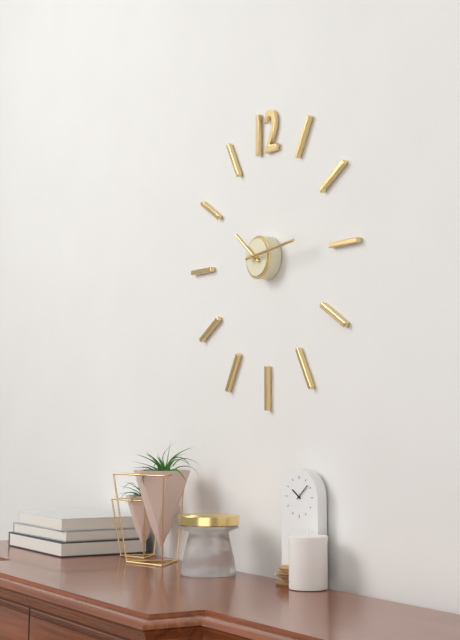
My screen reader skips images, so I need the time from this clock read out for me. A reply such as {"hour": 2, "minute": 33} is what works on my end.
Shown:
{"hour": 10, "minute": 14}
